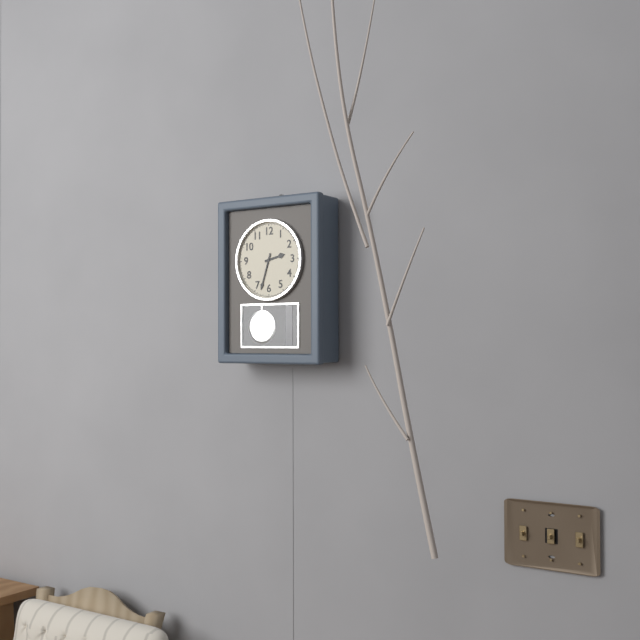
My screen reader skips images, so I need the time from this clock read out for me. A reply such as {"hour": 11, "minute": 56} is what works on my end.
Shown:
{"hour": 2, "minute": 33}
